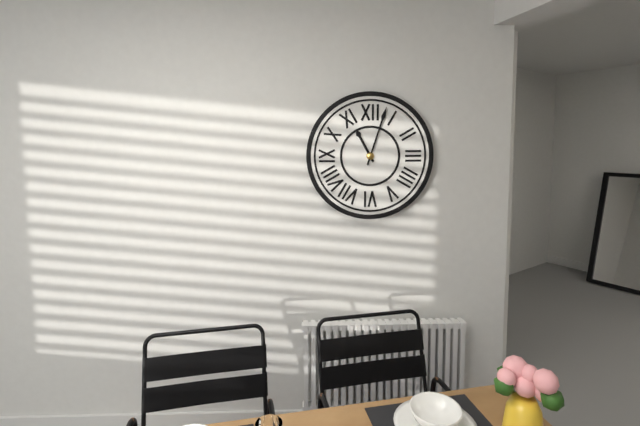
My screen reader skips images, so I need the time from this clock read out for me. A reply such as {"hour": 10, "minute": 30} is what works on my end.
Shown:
{"hour": 11, "minute": 3}
